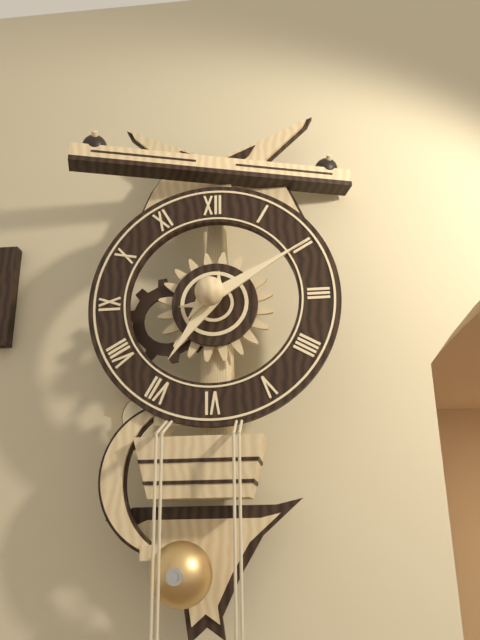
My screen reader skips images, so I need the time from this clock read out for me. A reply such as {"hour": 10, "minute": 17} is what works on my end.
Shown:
{"hour": 7, "minute": 10}
